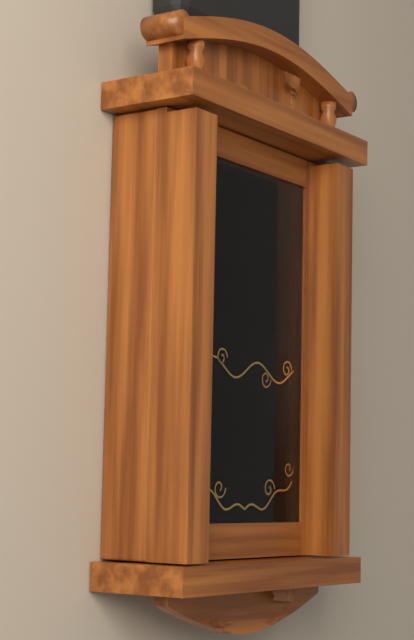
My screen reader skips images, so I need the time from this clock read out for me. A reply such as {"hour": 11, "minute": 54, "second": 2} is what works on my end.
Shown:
{"hour": 8, "minute": 36, "second": 34}
